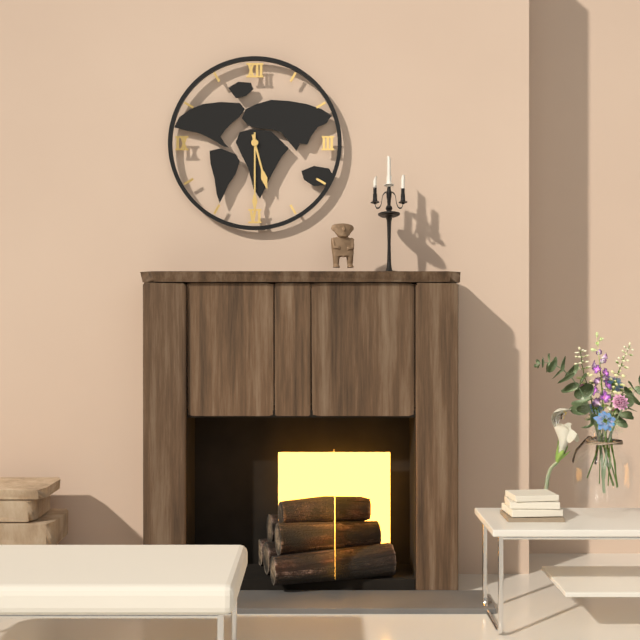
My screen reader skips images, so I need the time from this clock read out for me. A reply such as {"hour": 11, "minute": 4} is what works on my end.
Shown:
{"hour": 5, "minute": 30}
